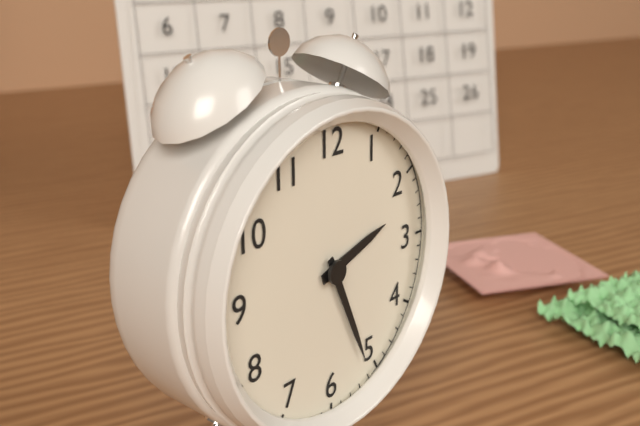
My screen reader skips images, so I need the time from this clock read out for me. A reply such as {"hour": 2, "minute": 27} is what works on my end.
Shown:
{"hour": 2, "minute": 26}
